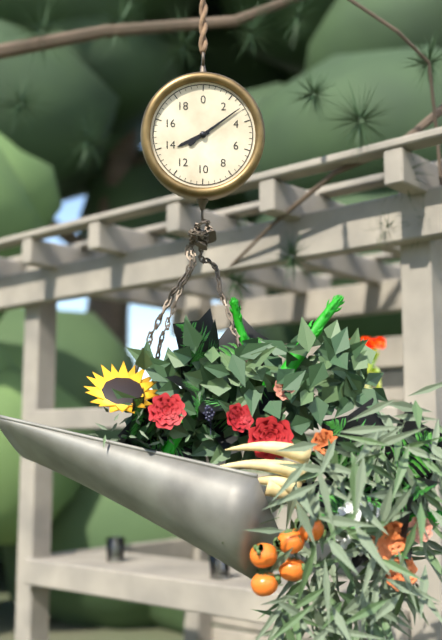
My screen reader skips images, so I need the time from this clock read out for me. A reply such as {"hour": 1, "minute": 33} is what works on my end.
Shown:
{"hour": 8, "minute": 9}
